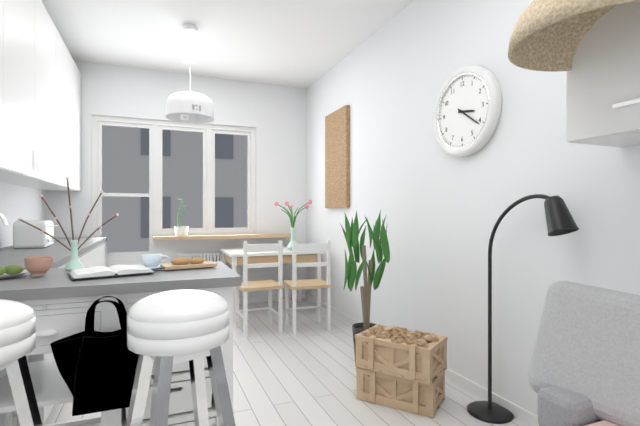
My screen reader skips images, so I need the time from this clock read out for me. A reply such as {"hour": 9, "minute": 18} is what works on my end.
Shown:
{"hour": 3, "minute": 21}
